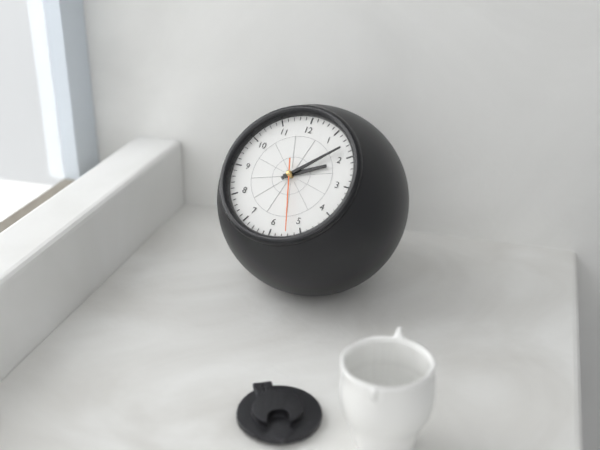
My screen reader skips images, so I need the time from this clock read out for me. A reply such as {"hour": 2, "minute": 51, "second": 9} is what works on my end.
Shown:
{"hour": 2, "minute": 8, "second": 27}
